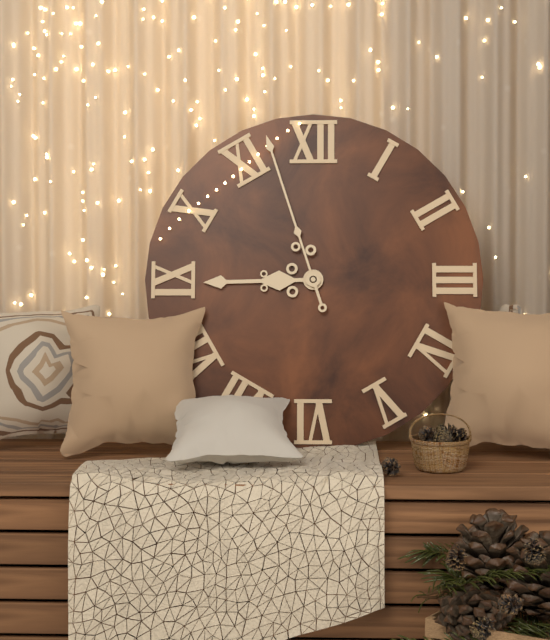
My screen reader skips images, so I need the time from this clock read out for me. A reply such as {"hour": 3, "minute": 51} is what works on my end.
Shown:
{"hour": 8, "minute": 57}
